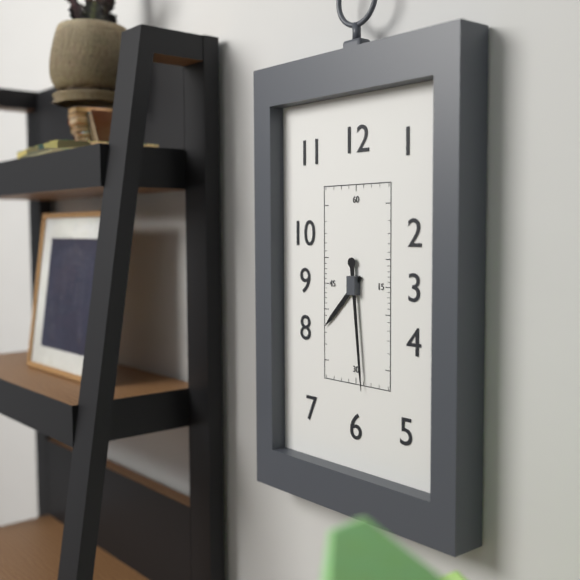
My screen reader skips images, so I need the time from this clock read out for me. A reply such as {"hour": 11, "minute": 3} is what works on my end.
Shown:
{"hour": 7, "minute": 29}
